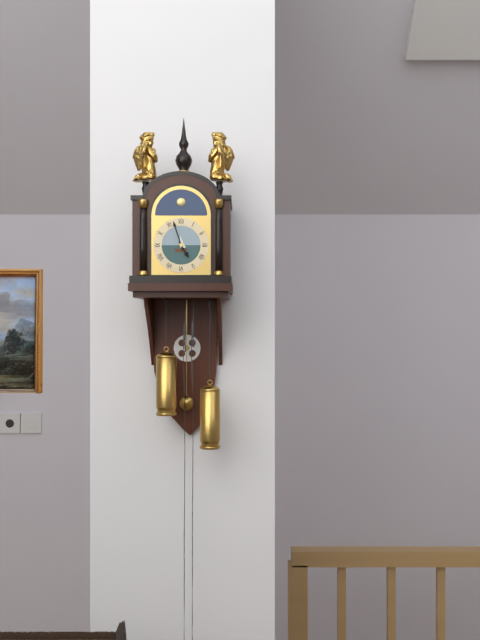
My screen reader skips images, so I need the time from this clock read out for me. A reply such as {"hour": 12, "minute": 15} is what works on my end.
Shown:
{"hour": 4, "minute": 57}
